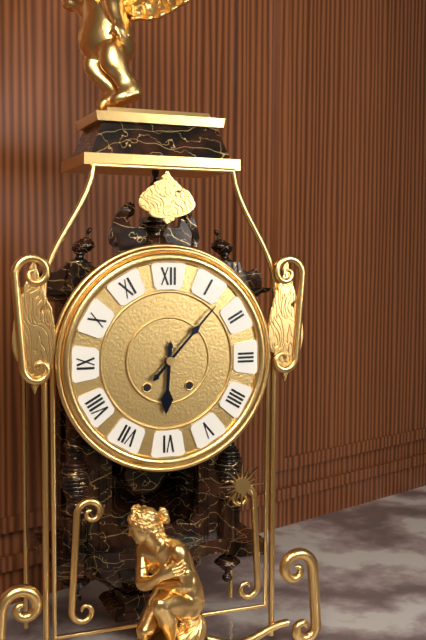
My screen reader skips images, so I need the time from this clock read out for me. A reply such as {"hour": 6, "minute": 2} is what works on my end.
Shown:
{"hour": 6, "minute": 7}
